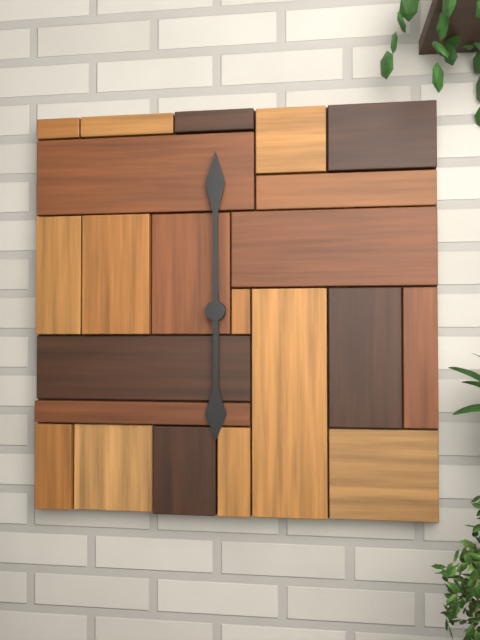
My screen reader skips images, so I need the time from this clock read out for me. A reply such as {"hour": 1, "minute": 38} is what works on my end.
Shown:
{"hour": 6, "minute": 0}
